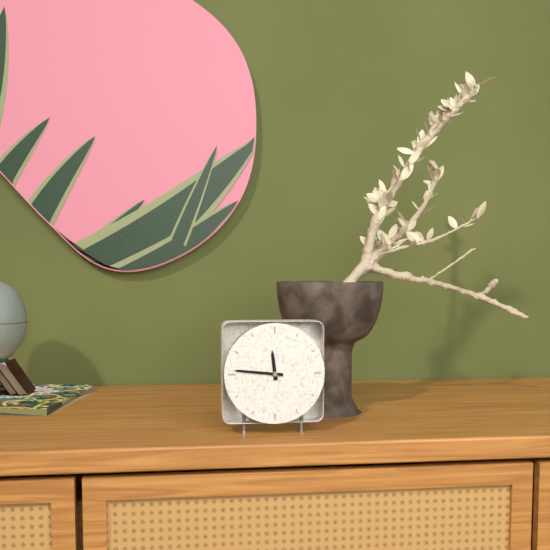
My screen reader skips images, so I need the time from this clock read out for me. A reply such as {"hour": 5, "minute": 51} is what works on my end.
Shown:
{"hour": 11, "minute": 46}
